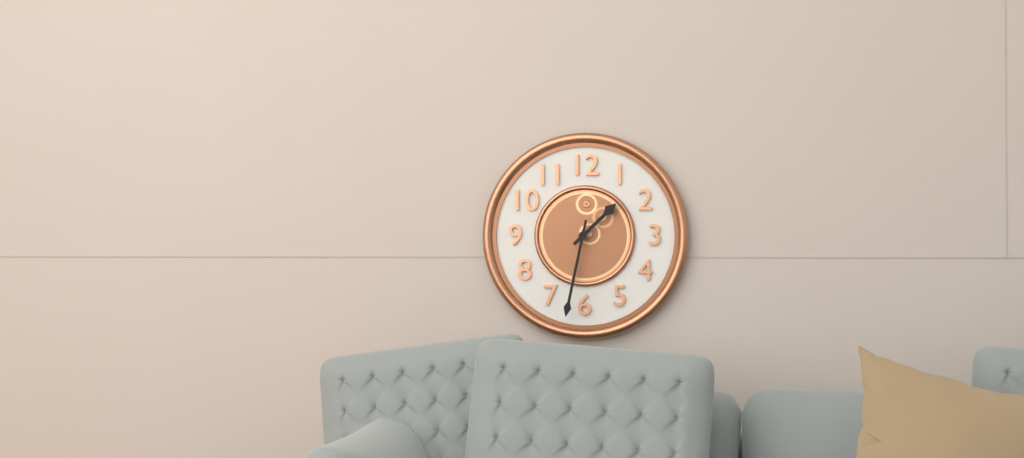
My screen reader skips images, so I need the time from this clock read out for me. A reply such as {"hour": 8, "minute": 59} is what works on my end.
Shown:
{"hour": 1, "minute": 32}
